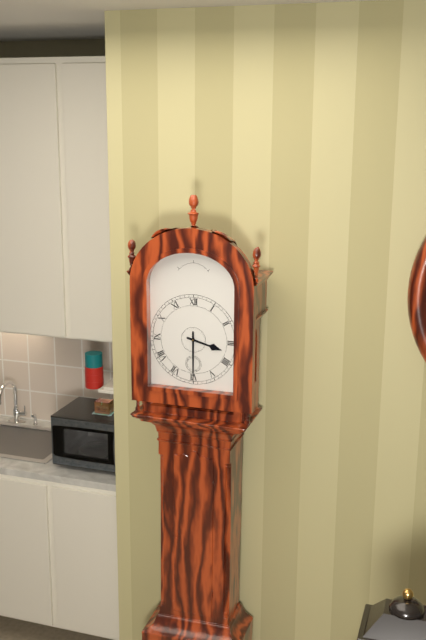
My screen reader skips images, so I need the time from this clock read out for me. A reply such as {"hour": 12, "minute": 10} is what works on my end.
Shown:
{"hour": 3, "minute": 30}
